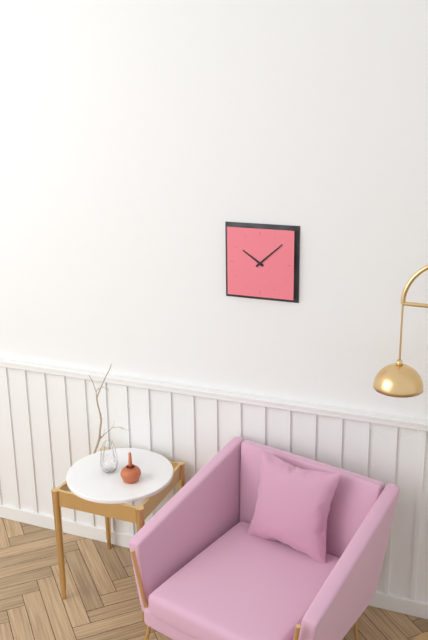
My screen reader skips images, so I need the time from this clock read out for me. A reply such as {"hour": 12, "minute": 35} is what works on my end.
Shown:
{"hour": 10, "minute": 8}
